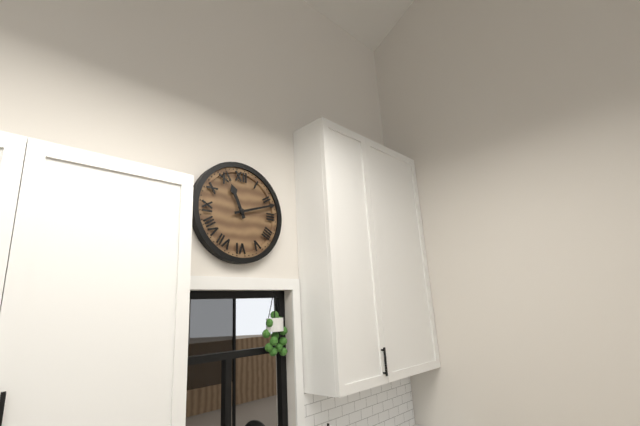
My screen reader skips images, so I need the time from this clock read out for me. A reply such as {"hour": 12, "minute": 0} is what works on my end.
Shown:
{"hour": 11, "minute": 12}
